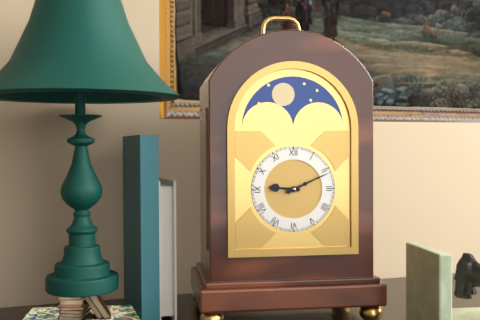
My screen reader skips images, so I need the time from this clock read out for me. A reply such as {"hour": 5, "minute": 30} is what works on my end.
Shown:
{"hour": 9, "minute": 11}
